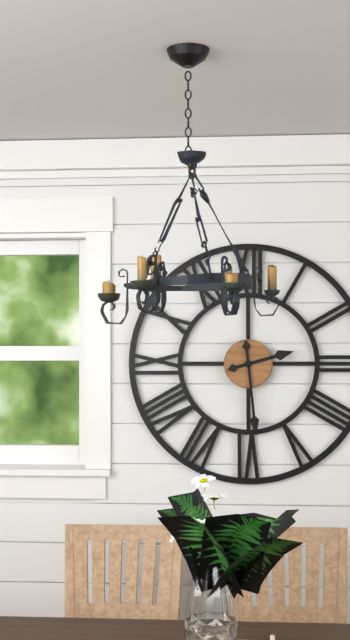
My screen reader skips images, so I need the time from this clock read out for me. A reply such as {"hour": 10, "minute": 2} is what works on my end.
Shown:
{"hour": 2, "minute": 29}
